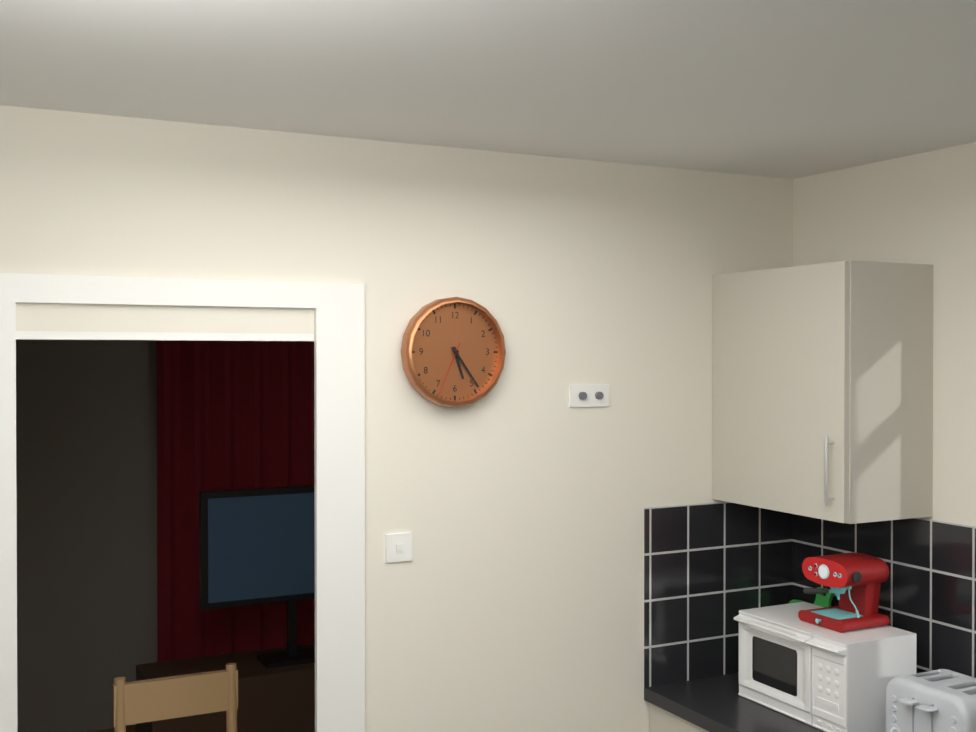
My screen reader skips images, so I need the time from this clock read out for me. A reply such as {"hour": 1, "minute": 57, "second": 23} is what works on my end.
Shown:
{"hour": 5, "minute": 24, "second": 34}
